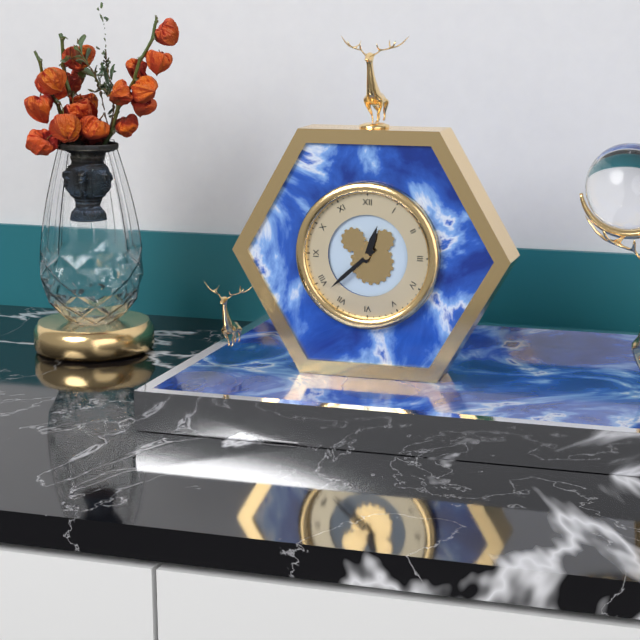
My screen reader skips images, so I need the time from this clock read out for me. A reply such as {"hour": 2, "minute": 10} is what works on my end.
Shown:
{"hour": 12, "minute": 38}
